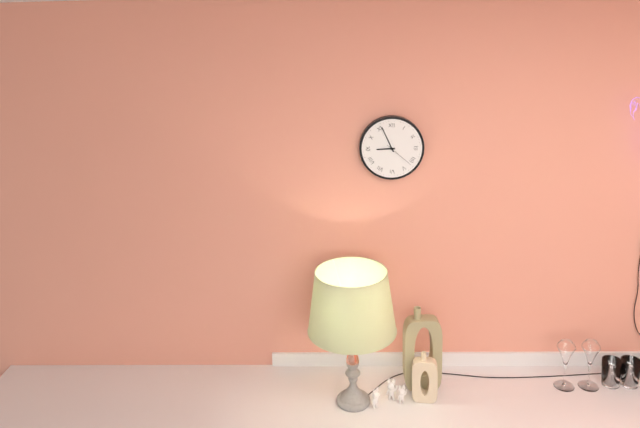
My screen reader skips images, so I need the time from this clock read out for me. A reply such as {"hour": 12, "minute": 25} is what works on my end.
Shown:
{"hour": 8, "minute": 56}
